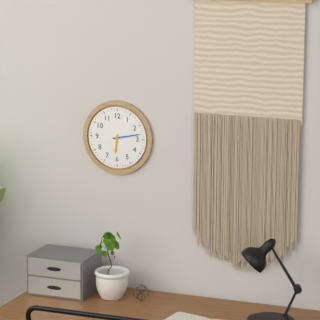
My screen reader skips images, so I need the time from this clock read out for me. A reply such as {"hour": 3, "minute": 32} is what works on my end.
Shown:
{"hour": 6, "minute": 13}
